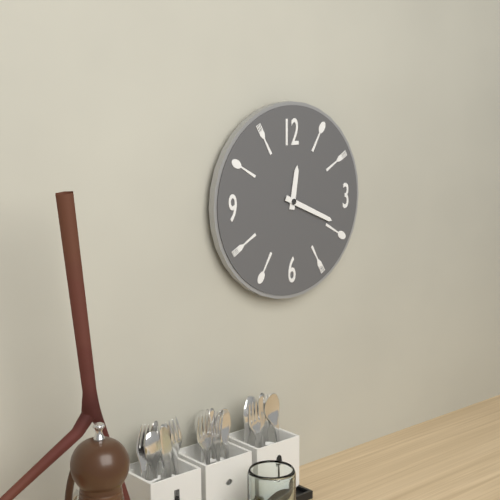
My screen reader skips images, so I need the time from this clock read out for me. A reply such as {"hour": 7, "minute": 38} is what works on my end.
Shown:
{"hour": 12, "minute": 19}
